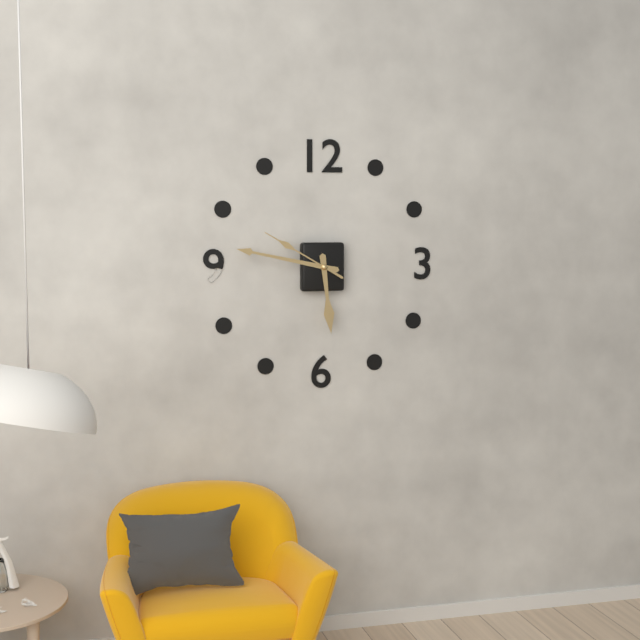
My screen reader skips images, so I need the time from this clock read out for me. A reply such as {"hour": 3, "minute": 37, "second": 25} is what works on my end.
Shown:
{"hour": 5, "minute": 47, "second": 50}
